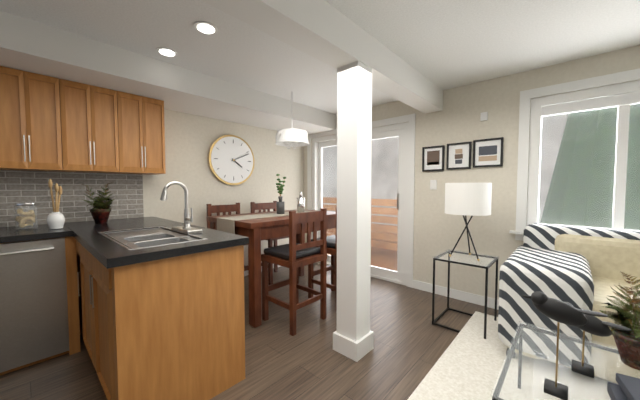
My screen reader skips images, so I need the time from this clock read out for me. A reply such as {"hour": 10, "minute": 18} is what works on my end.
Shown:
{"hour": 4, "minute": 11}
